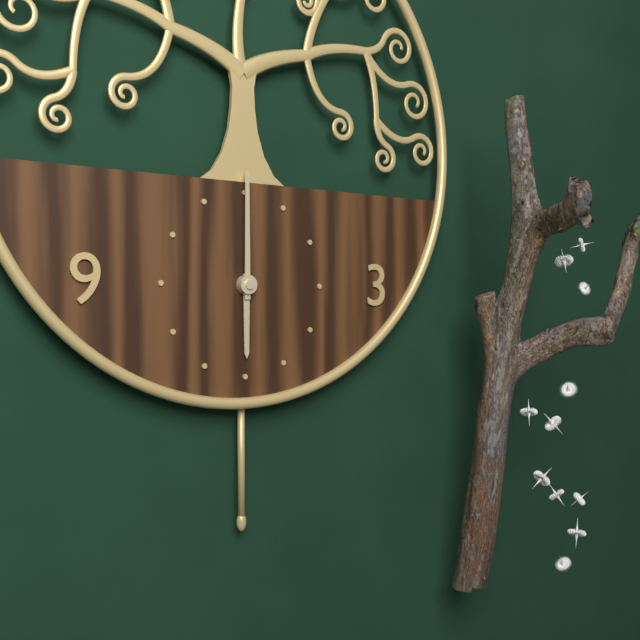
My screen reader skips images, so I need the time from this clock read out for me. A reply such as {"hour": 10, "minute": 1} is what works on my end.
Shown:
{"hour": 6, "minute": 0}
